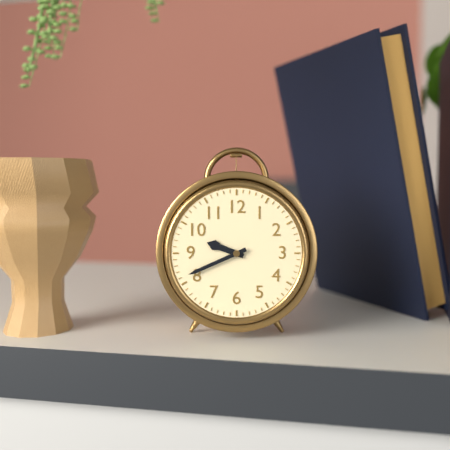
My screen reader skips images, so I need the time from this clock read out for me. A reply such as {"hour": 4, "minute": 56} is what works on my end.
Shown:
{"hour": 9, "minute": 41}
